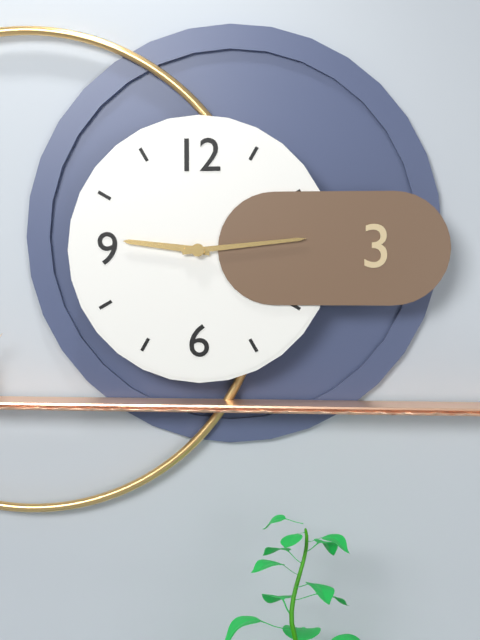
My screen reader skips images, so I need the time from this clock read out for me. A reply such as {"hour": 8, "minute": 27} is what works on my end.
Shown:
{"hour": 9, "minute": 14}
